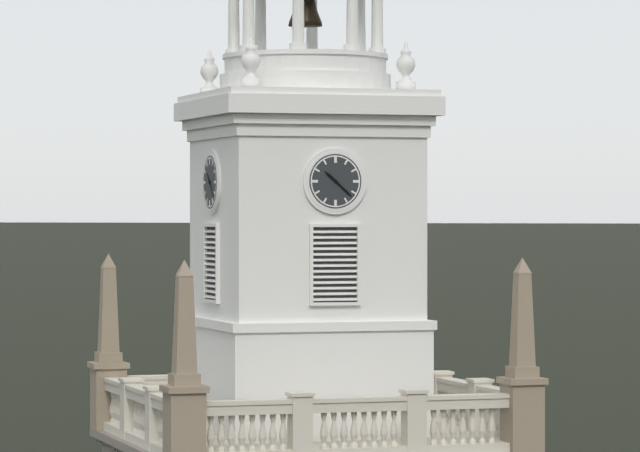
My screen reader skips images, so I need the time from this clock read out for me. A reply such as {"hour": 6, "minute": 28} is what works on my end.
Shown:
{"hour": 10, "minute": 22}
